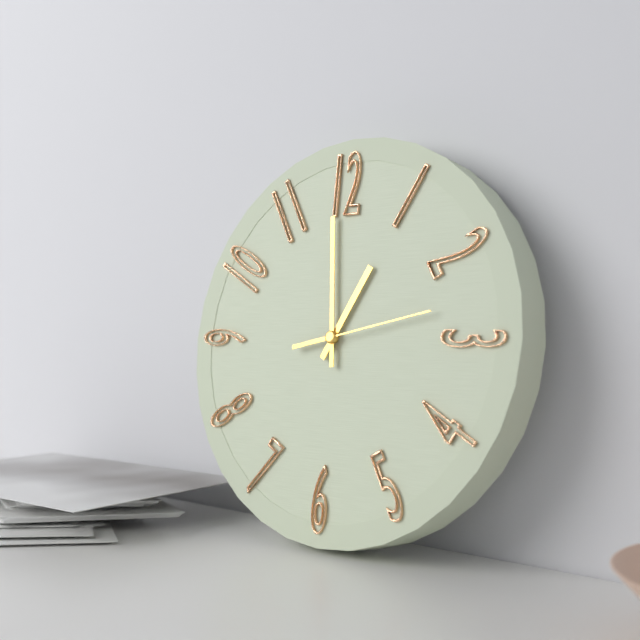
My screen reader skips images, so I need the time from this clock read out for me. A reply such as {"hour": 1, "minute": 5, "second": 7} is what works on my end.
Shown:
{"hour": 12, "minute": 59, "second": 13}
